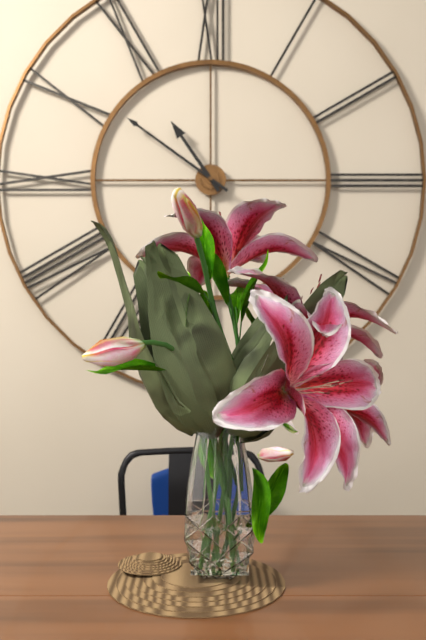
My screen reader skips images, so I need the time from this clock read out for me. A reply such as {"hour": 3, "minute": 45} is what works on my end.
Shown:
{"hour": 10, "minute": 51}
